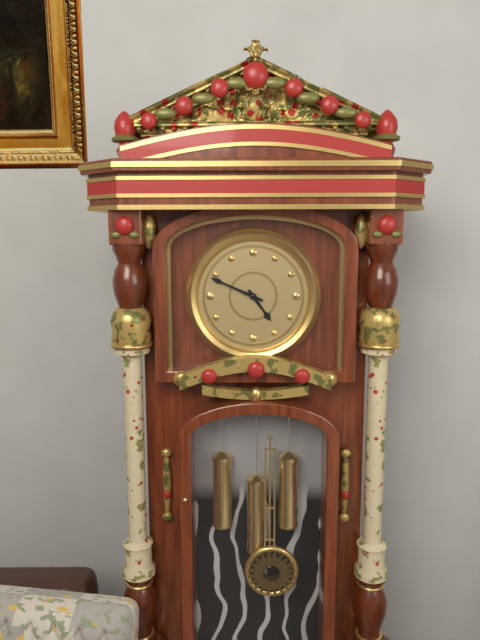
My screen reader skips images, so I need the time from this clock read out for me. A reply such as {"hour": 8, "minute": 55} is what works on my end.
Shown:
{"hour": 4, "minute": 49}
